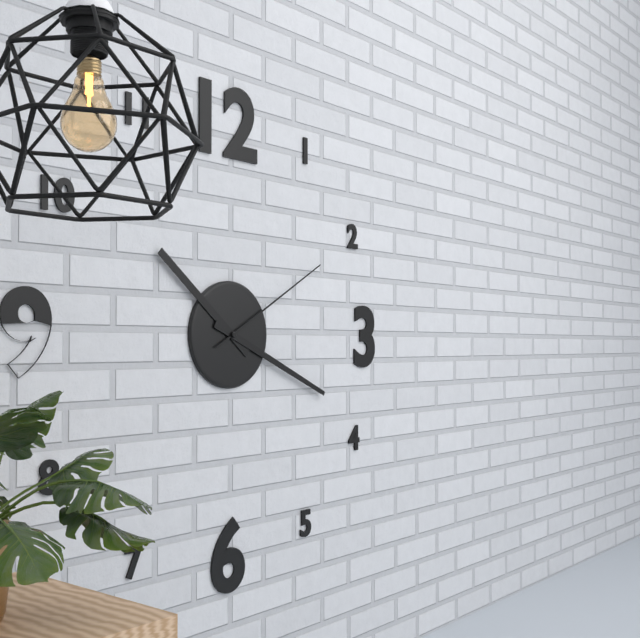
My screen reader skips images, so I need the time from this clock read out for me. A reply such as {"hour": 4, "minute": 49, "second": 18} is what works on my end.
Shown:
{"hour": 10, "minute": 19, "second": 10}
